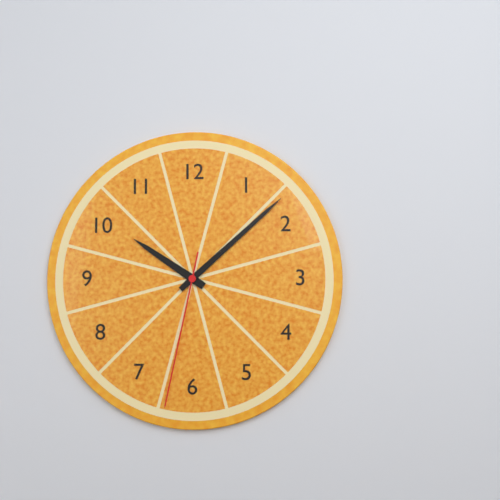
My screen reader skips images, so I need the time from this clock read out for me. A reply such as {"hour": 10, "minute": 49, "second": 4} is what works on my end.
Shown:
{"hour": 10, "minute": 8, "second": 32}
